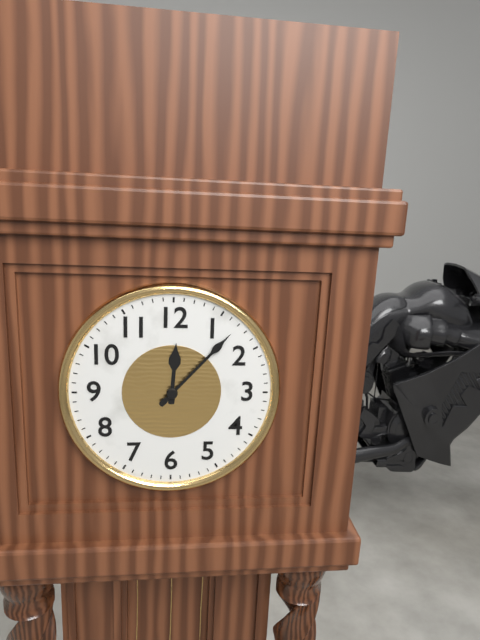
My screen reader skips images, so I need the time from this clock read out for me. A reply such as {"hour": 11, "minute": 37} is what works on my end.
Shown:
{"hour": 12, "minute": 7}
